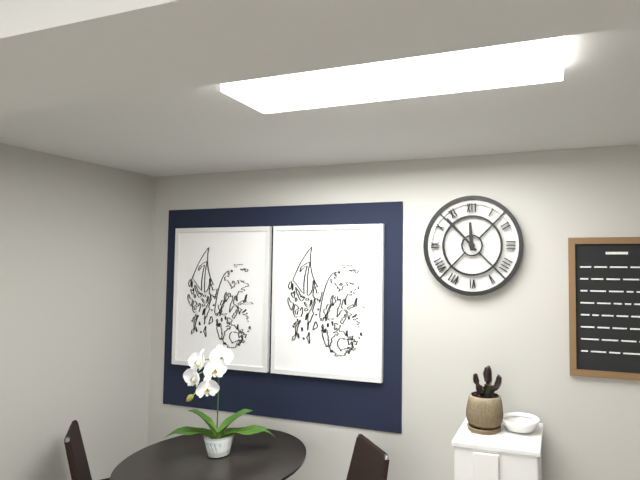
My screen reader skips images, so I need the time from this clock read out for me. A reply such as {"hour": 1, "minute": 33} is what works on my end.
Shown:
{"hour": 11, "minute": 53}
